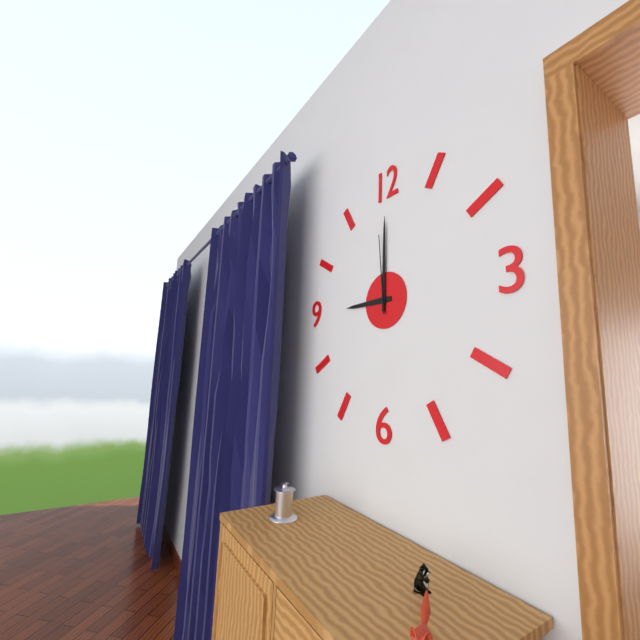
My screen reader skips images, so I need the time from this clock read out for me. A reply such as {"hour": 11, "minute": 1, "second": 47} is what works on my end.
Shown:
{"hour": 9, "minute": 0, "second": 59}
